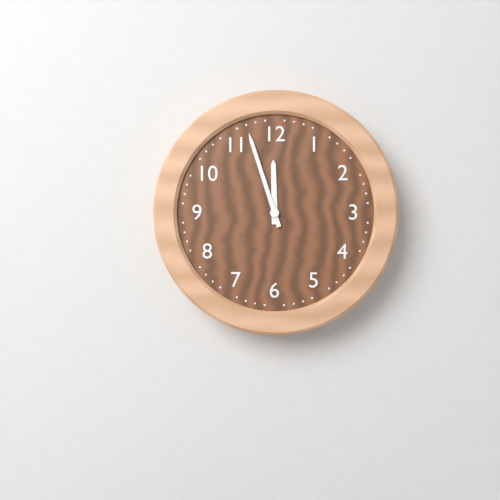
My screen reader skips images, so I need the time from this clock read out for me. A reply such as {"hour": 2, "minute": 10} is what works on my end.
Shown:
{"hour": 11, "minute": 57}
